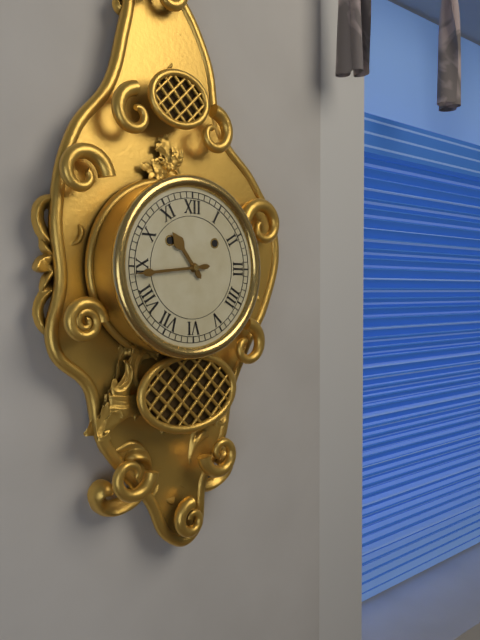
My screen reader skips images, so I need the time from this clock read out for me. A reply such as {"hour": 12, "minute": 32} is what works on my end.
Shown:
{"hour": 10, "minute": 44}
